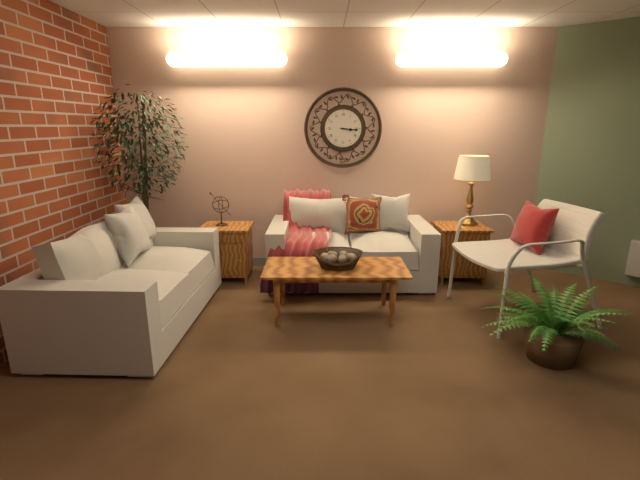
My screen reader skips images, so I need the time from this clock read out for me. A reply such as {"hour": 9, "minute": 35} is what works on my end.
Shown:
{"hour": 3, "minute": 16}
